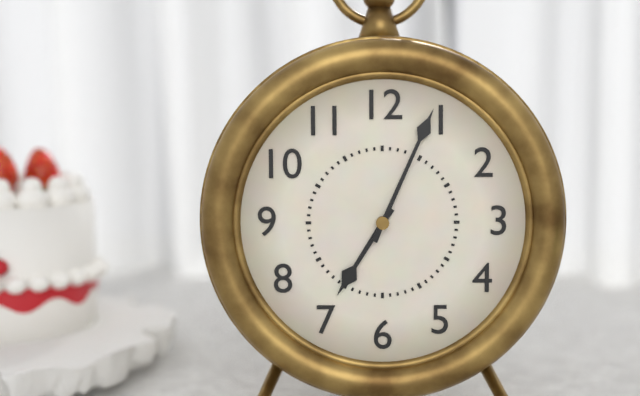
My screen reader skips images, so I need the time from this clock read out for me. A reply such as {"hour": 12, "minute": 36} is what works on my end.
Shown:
{"hour": 7, "minute": 4}
